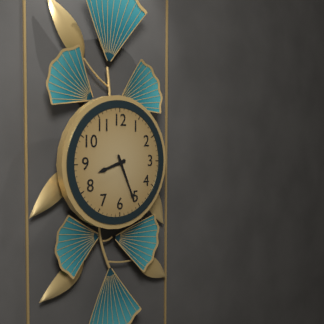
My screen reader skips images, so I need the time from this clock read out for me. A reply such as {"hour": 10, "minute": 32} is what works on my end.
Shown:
{"hour": 8, "minute": 26}
